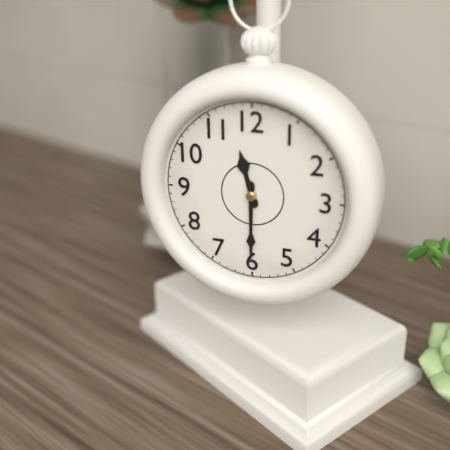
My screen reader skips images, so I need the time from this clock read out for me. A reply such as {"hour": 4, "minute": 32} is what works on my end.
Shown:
{"hour": 11, "minute": 30}
